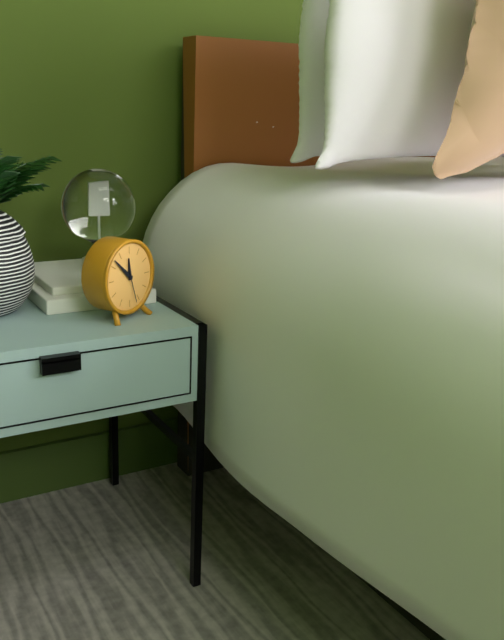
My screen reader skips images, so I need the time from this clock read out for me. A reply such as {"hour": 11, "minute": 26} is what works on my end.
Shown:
{"hour": 11, "minute": 52}
